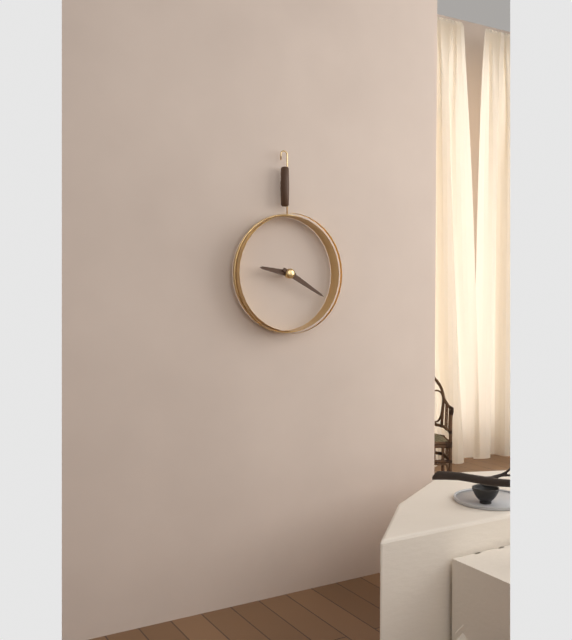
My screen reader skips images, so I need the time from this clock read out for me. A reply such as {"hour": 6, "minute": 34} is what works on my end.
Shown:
{"hour": 9, "minute": 20}
